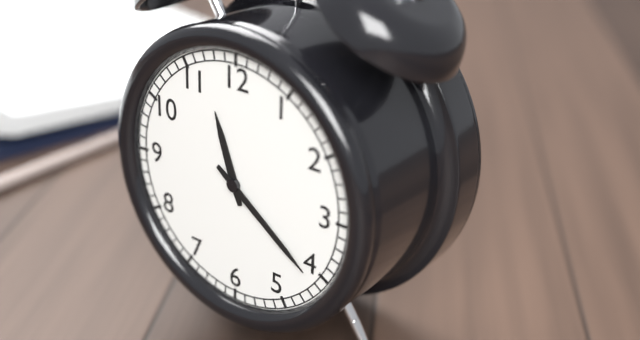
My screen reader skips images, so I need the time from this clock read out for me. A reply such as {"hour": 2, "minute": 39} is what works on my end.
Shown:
{"hour": 11, "minute": 21}
